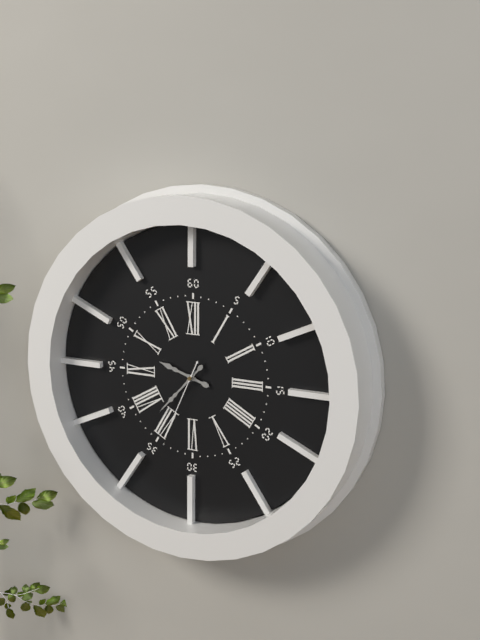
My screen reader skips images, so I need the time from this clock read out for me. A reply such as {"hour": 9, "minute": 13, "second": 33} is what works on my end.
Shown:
{"hour": 9, "minute": 37, "second": 34}
